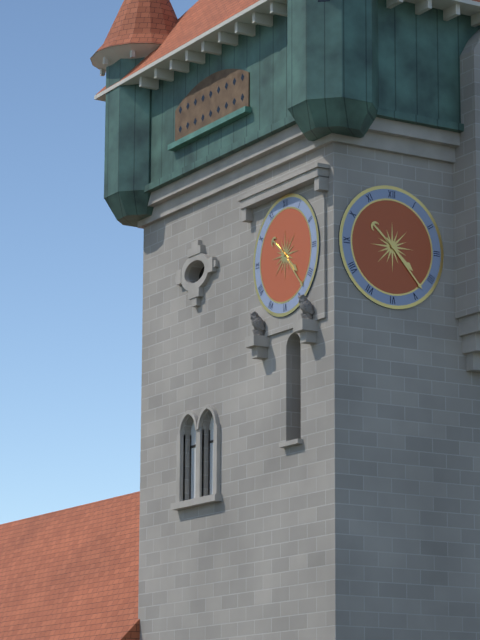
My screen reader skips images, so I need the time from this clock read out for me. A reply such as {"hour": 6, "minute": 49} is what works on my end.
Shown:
{"hour": 4, "minute": 23}
